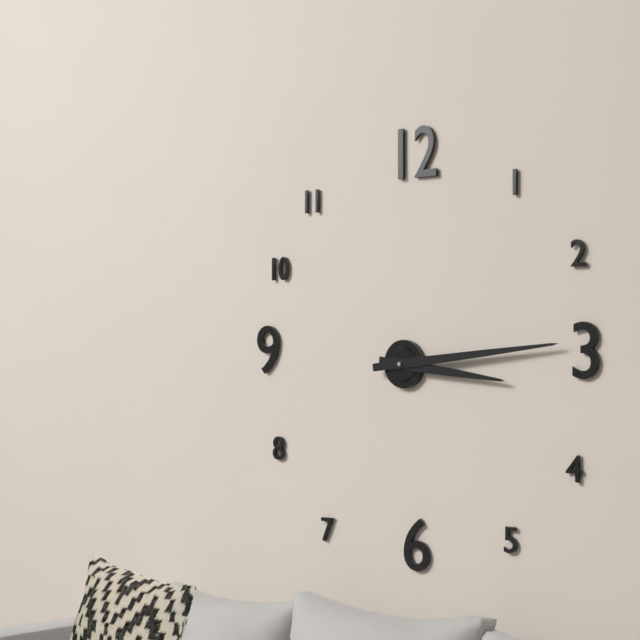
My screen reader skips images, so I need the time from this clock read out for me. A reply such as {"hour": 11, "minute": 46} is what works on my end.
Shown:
{"hour": 3, "minute": 14}
